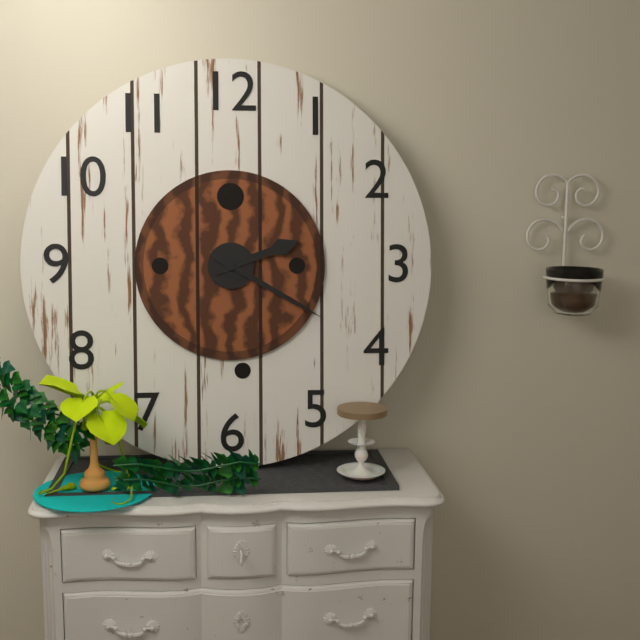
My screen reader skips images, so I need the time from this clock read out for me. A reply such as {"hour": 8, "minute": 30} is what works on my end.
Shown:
{"hour": 2, "minute": 20}
